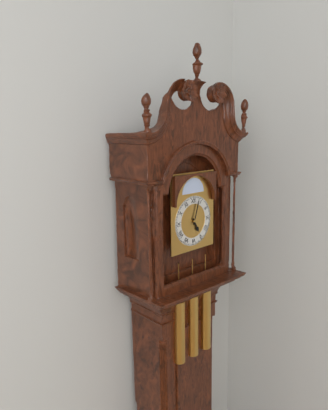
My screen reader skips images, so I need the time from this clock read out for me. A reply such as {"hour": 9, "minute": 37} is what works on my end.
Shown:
{"hour": 5, "minute": 3}
